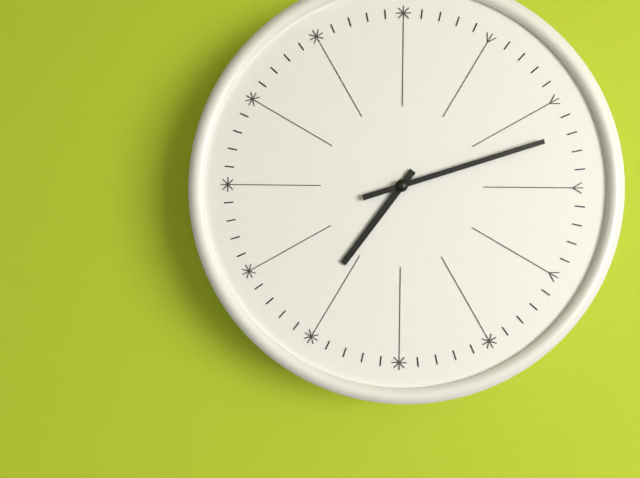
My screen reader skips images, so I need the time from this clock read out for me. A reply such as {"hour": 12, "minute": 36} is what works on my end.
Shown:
{"hour": 7, "minute": 12}
